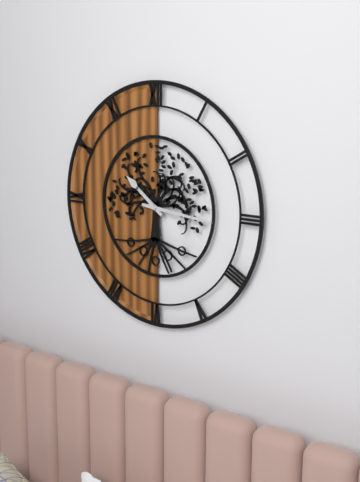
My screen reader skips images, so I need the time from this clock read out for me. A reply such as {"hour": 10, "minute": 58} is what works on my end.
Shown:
{"hour": 10, "minute": 16}
